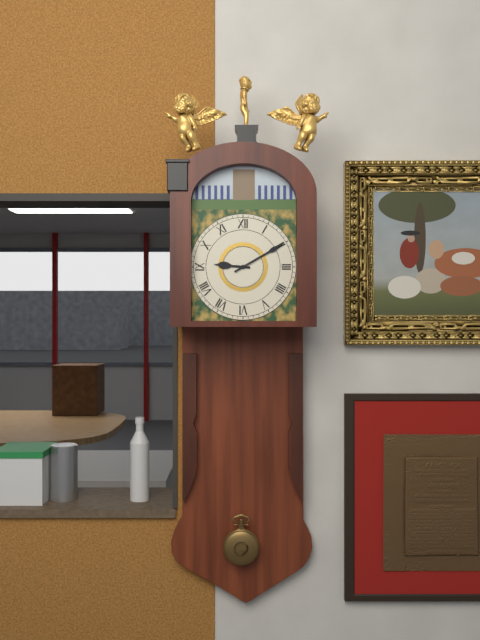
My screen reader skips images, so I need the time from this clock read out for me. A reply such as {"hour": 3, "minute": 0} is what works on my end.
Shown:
{"hour": 9, "minute": 10}
